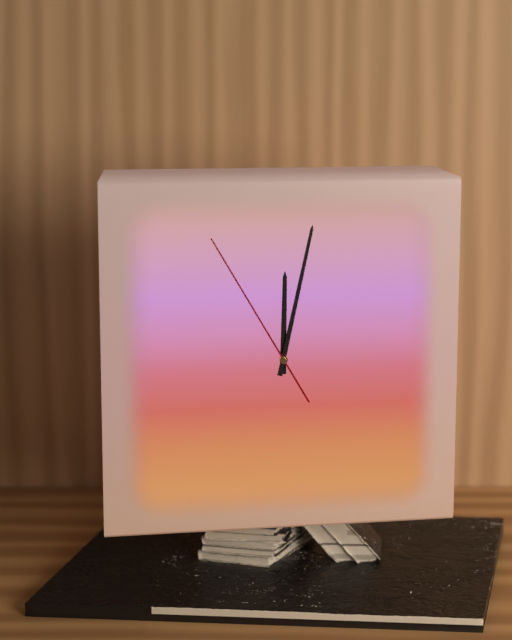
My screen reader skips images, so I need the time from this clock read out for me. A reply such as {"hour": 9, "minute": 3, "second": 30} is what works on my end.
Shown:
{"hour": 12, "minute": 2, "second": 55}
